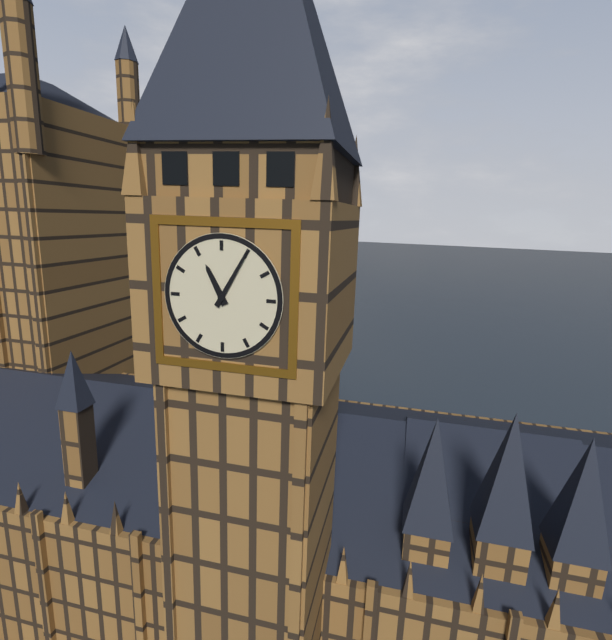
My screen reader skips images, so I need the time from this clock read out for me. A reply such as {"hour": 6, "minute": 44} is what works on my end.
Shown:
{"hour": 11, "minute": 5}
